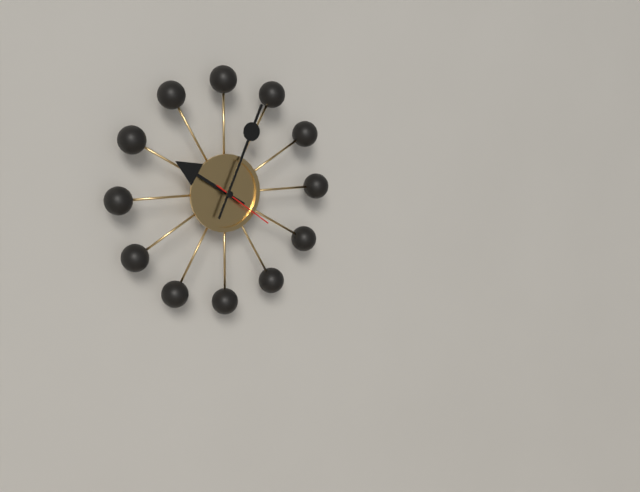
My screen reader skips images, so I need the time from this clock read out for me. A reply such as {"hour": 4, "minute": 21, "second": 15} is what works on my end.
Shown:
{"hour": 10, "minute": 4, "second": 21}
